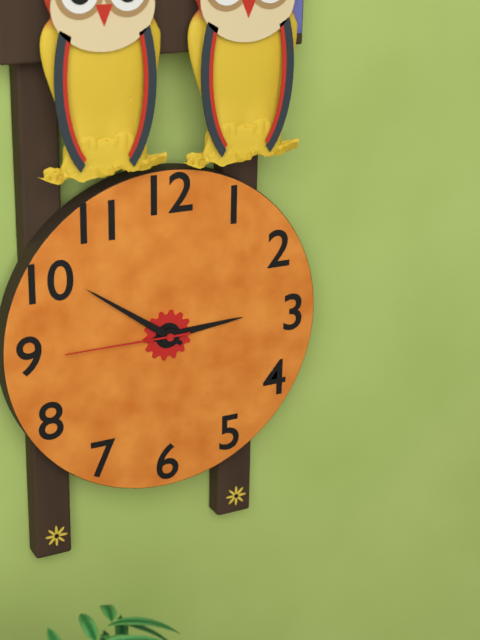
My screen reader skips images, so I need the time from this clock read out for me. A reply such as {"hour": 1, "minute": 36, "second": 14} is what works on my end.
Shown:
{"hour": 2, "minute": 51, "second": 45}
